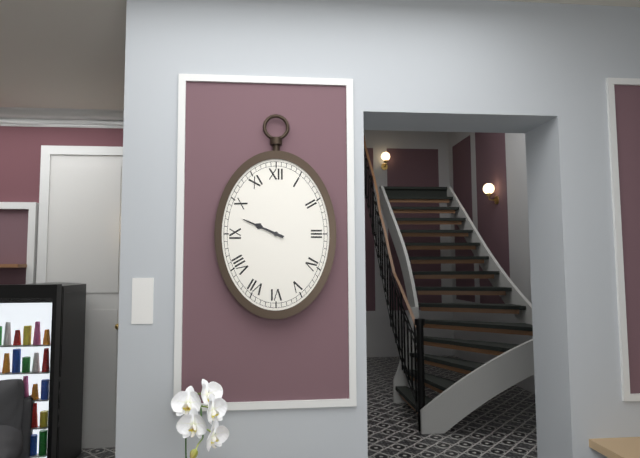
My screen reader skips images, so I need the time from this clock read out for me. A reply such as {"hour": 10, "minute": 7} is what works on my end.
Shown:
{"hour": 9, "minute": 49}
